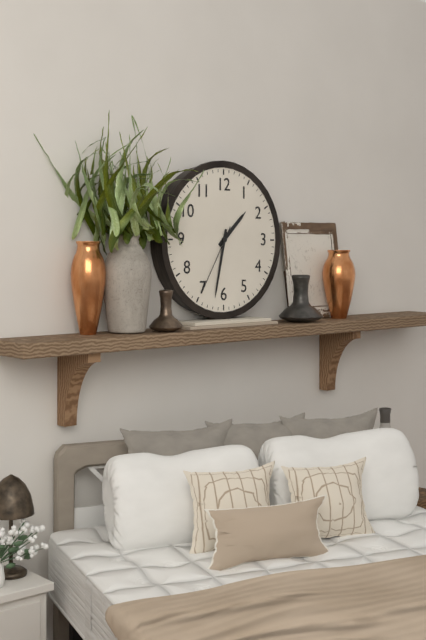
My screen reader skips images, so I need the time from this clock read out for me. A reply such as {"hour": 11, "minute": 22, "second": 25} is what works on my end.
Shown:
{"hour": 1, "minute": 32, "second": 35}
